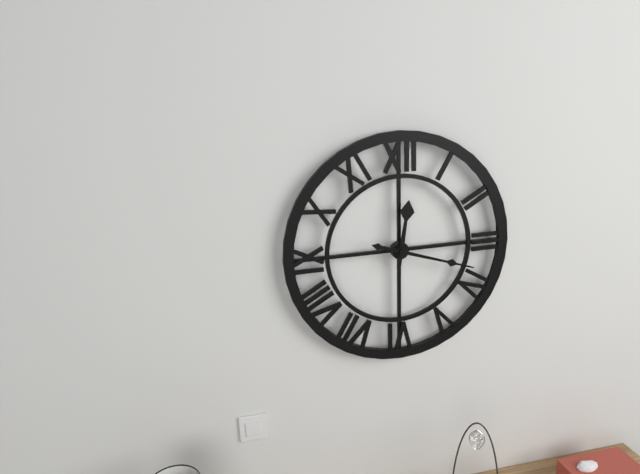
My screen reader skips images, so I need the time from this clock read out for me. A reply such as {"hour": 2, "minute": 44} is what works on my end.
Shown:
{"hour": 12, "minute": 18}
